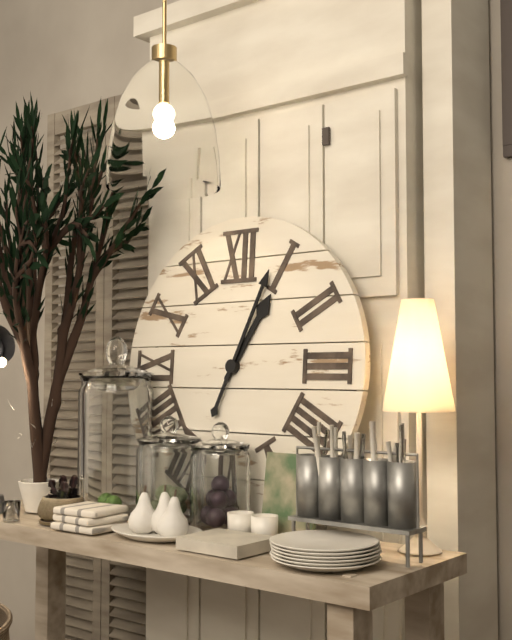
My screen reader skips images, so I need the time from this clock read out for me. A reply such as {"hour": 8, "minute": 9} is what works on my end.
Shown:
{"hour": 1, "minute": 4}
